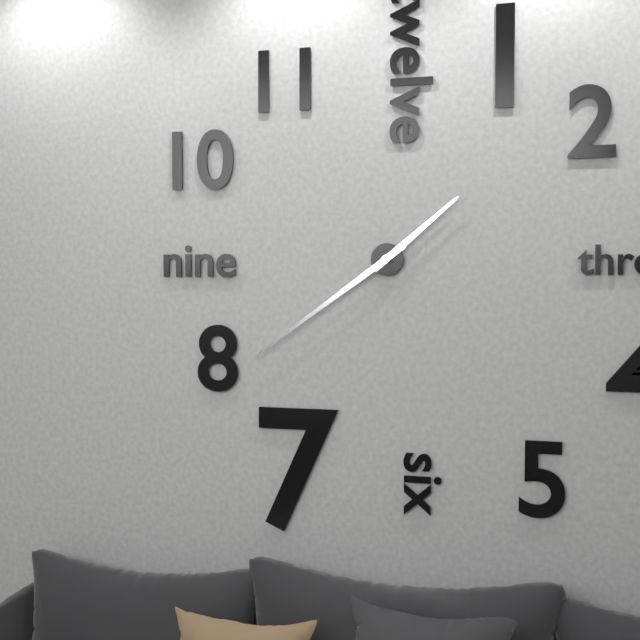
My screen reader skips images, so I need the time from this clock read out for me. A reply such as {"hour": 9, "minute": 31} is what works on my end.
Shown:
{"hour": 1, "minute": 39}
